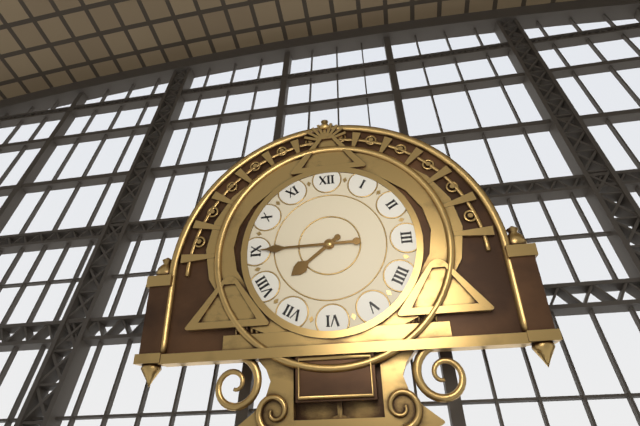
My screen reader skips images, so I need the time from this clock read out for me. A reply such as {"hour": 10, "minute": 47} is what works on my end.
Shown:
{"hour": 7, "minute": 45}
